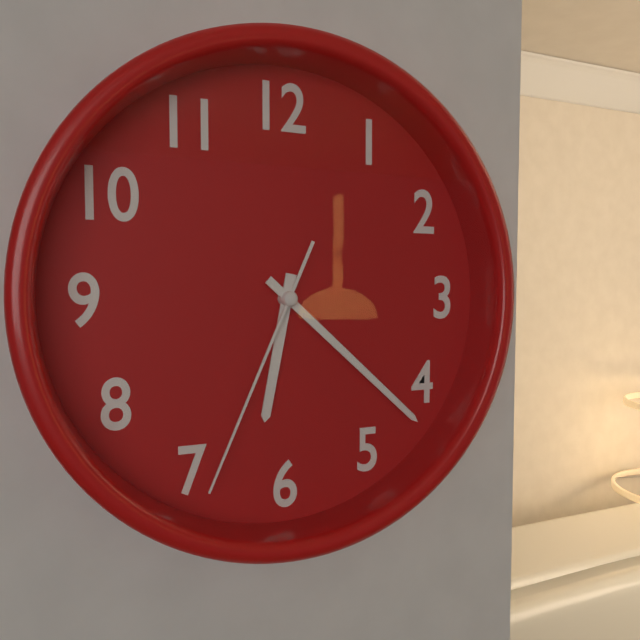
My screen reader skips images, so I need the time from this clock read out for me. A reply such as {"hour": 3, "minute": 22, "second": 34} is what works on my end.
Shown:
{"hour": 6, "minute": 22, "second": 34}
